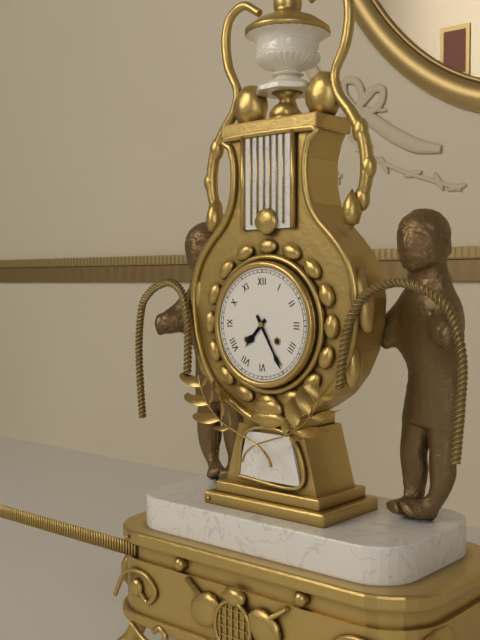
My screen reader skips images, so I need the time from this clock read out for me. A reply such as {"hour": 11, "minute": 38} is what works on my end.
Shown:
{"hour": 7, "minute": 25}
